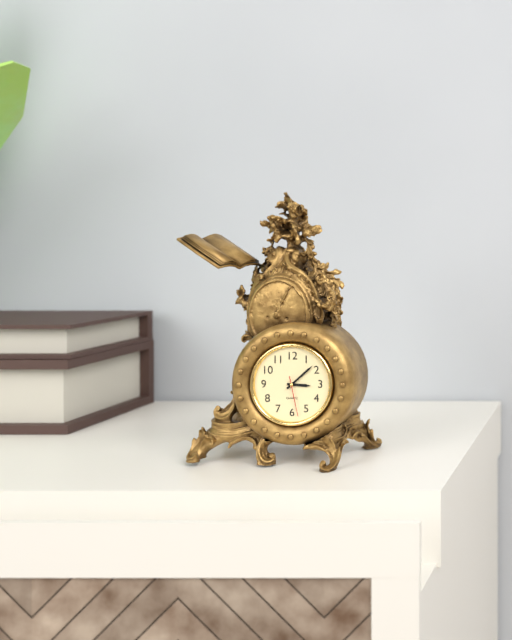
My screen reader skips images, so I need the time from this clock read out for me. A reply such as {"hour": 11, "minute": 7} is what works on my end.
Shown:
{"hour": 3, "minute": 8}
